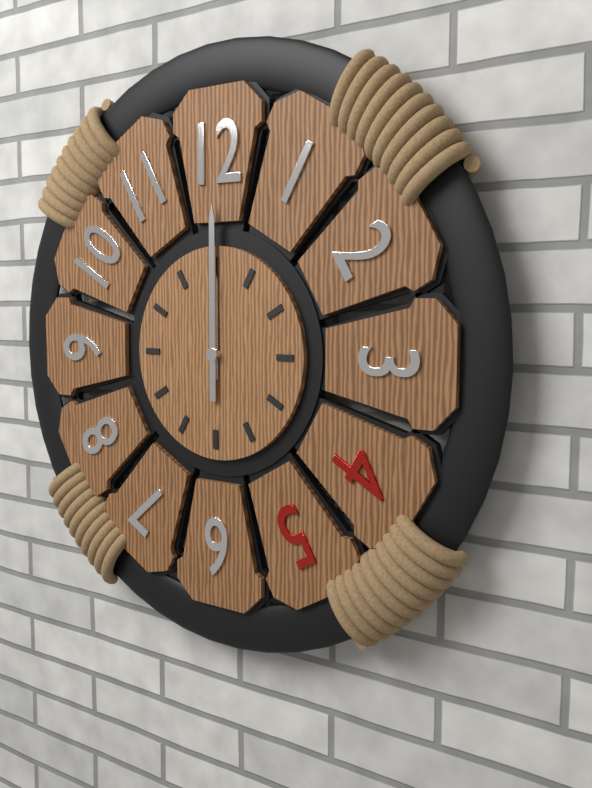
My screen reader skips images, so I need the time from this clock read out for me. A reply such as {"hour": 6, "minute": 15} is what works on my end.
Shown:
{"hour": 12, "minute": 0}
